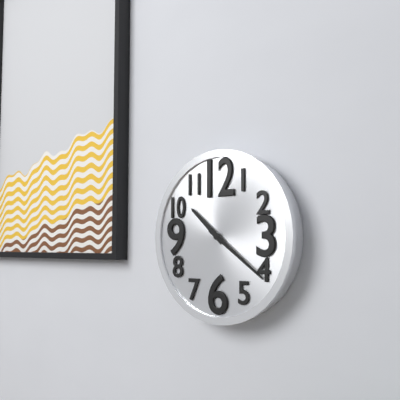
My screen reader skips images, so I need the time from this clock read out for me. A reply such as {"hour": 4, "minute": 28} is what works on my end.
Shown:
{"hour": 10, "minute": 21}
